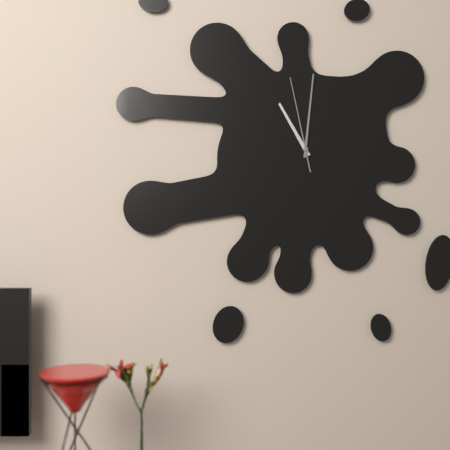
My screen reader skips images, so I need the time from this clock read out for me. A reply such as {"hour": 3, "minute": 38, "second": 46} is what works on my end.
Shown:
{"hour": 11, "minute": 1, "second": 58}
